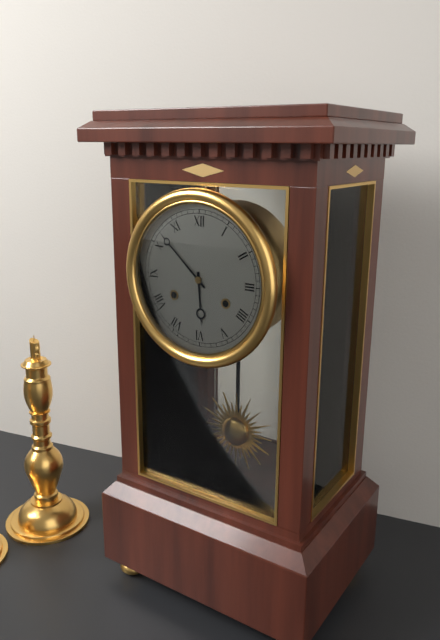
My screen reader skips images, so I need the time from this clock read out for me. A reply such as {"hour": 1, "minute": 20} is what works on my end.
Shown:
{"hour": 5, "minute": 52}
